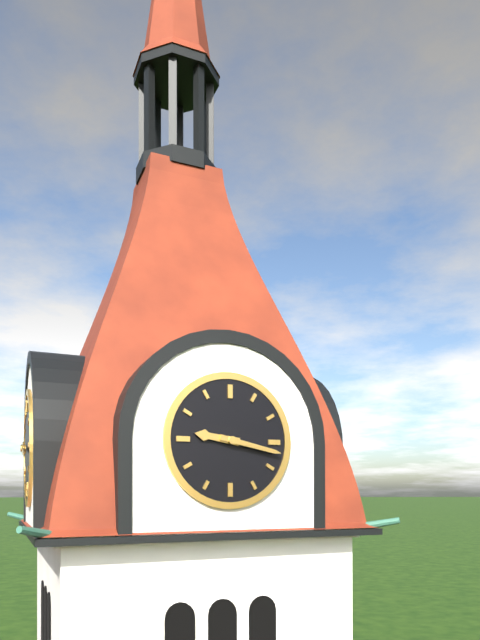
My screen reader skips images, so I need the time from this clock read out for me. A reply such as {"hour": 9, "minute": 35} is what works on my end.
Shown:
{"hour": 9, "minute": 17}
